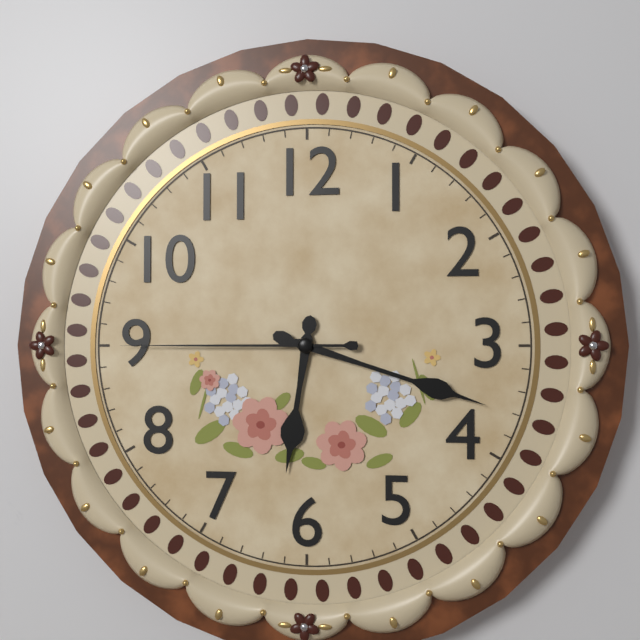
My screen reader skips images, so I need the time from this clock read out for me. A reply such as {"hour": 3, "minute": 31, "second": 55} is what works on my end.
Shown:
{"hour": 6, "minute": 18, "second": 45}
